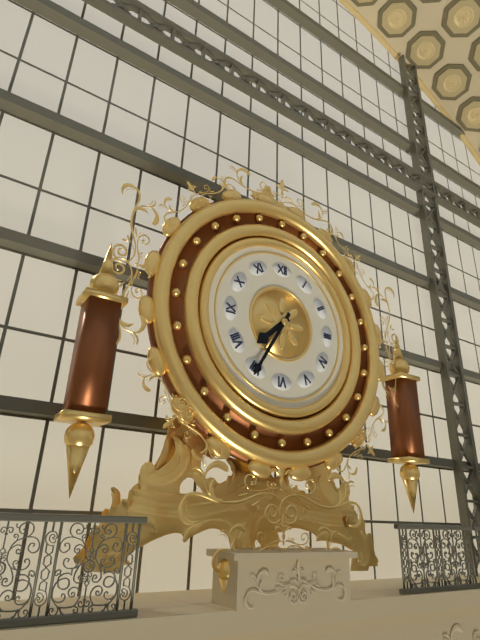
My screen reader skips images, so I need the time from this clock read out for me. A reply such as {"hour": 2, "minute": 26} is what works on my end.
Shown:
{"hour": 7, "minute": 35}
